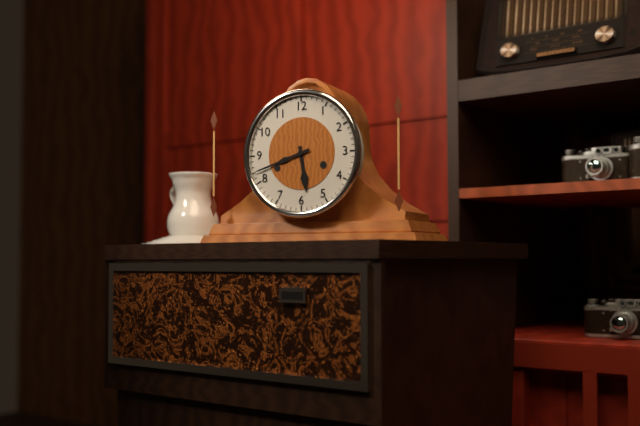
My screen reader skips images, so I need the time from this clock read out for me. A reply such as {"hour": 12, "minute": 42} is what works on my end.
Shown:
{"hour": 5, "minute": 42}
